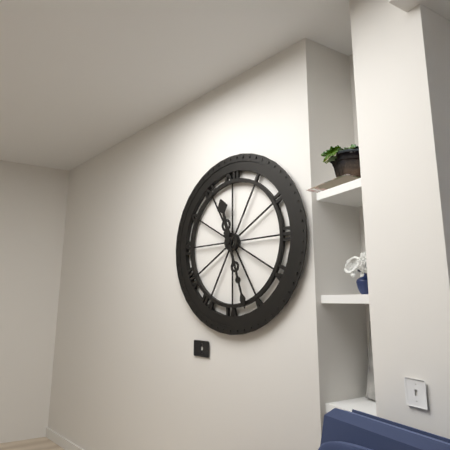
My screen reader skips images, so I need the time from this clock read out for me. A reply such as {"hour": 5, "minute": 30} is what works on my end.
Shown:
{"hour": 11, "minute": 27}
